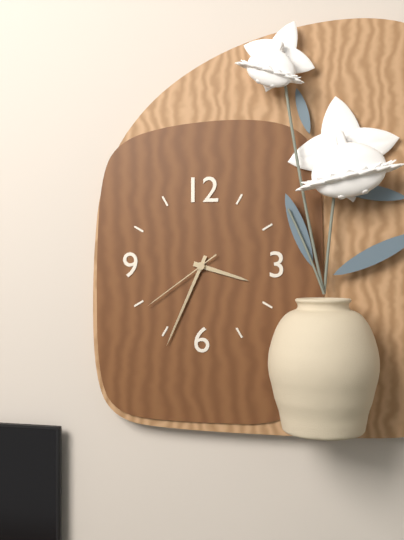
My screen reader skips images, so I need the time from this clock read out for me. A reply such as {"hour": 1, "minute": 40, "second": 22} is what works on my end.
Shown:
{"hour": 3, "minute": 34, "second": 39}
